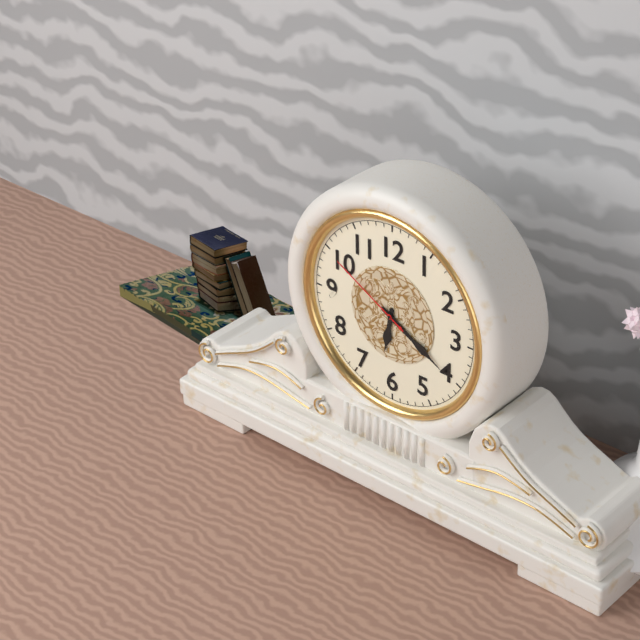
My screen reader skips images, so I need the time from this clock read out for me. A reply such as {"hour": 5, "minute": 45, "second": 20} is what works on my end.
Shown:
{"hour": 6, "minute": 20, "second": 50}
